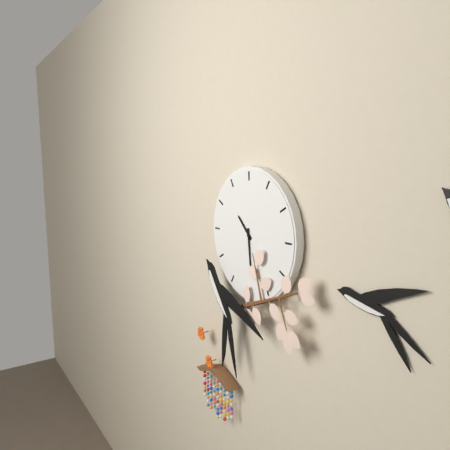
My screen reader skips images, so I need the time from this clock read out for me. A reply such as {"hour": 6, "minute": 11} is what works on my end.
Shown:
{"hour": 10, "minute": 29}
